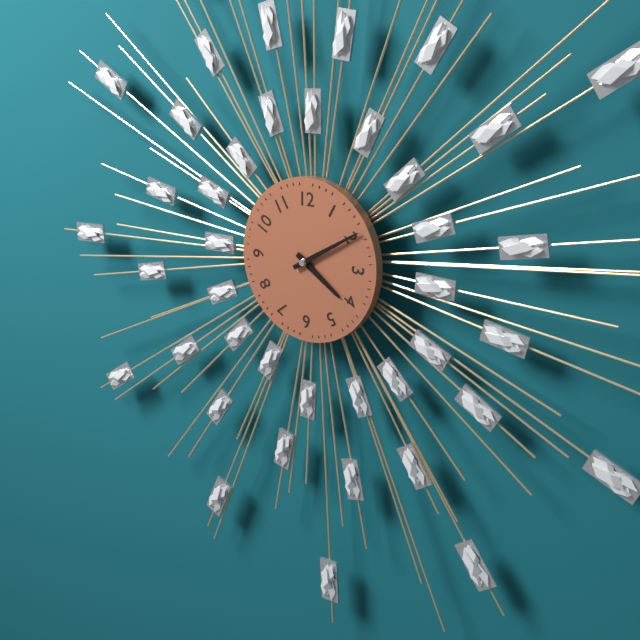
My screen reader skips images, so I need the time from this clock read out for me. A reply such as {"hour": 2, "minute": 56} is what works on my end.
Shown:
{"hour": 4, "minute": 10}
